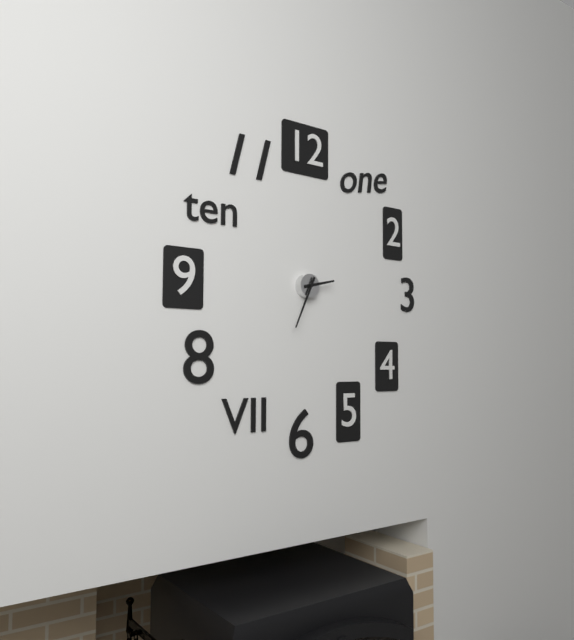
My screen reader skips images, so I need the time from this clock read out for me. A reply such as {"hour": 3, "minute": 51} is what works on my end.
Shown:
{"hour": 2, "minute": 34}
